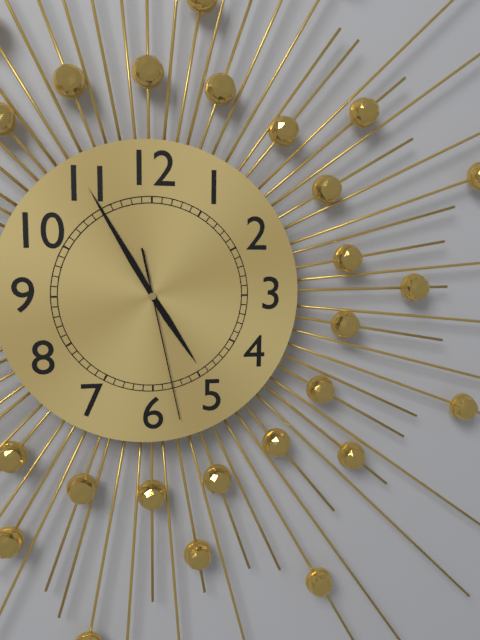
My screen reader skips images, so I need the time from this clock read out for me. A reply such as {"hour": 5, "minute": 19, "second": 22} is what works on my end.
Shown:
{"hour": 4, "minute": 55, "second": 28}
